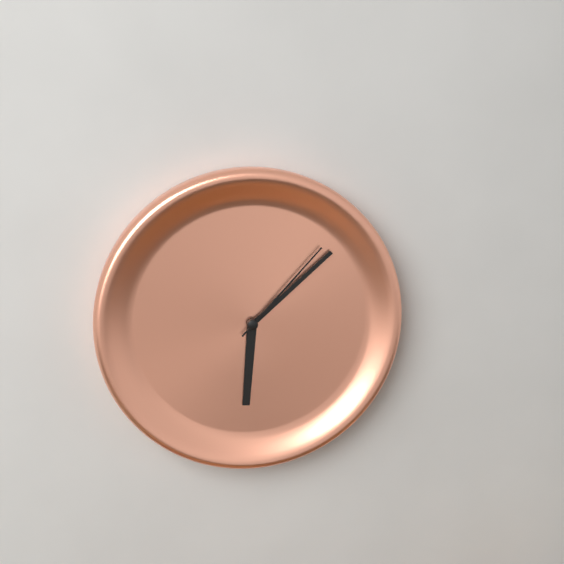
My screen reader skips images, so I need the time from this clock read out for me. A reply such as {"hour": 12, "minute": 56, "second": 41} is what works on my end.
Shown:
{"hour": 6, "minute": 8, "second": 7}
